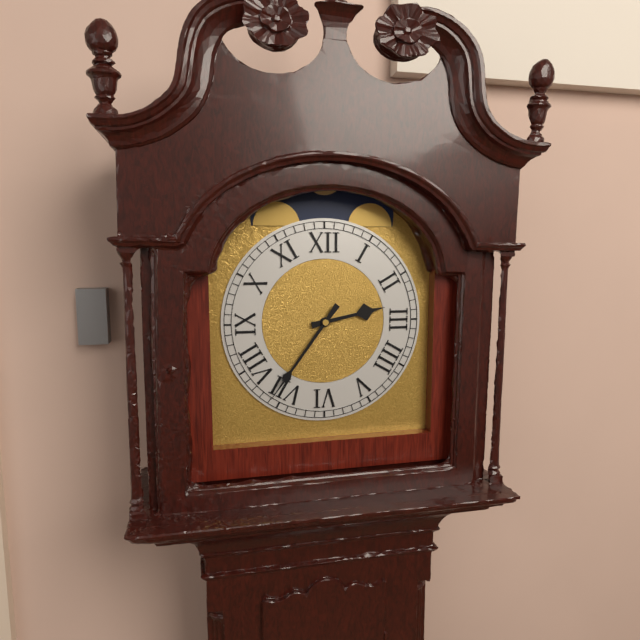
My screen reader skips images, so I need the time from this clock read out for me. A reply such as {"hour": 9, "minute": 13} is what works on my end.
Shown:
{"hour": 2, "minute": 36}
